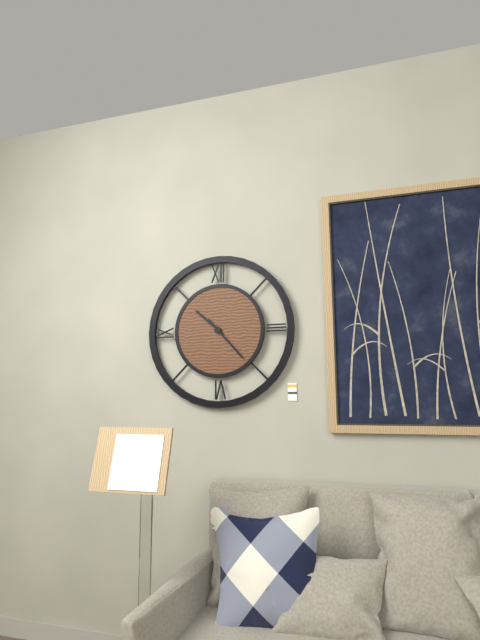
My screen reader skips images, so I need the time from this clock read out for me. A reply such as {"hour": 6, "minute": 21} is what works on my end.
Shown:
{"hour": 10, "minute": 23}
